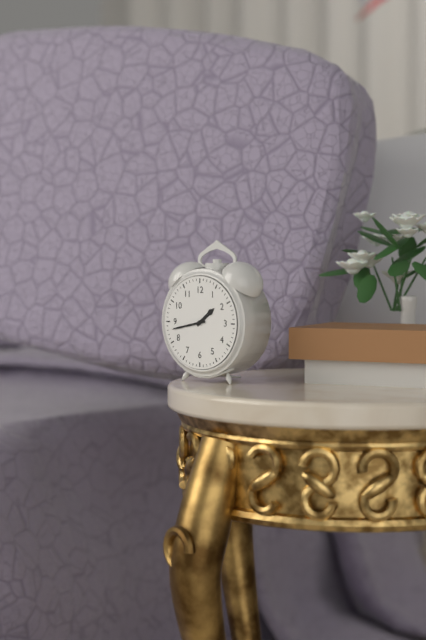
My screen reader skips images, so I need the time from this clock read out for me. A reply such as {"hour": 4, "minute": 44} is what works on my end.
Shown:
{"hour": 1, "minute": 43}
